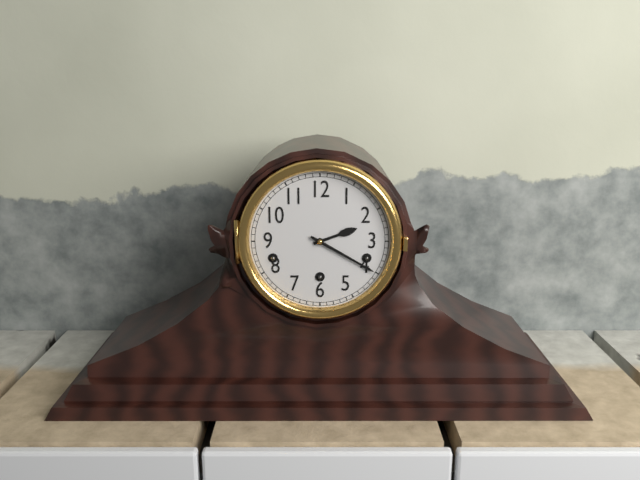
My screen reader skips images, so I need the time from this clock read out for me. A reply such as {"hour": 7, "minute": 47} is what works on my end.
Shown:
{"hour": 2, "minute": 20}
